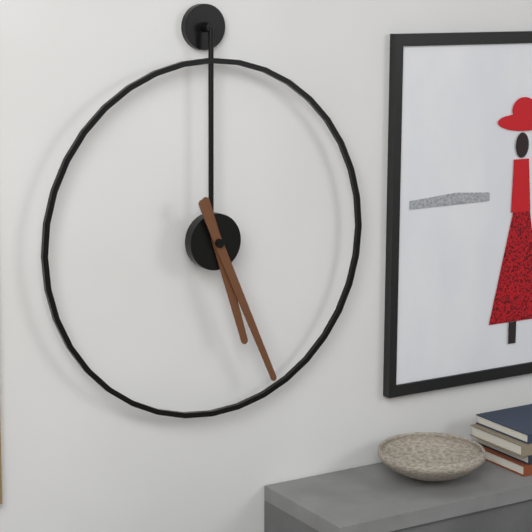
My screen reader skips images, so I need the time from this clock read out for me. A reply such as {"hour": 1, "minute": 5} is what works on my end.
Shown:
{"hour": 5, "minute": 26}
